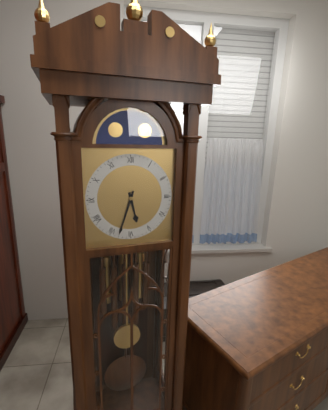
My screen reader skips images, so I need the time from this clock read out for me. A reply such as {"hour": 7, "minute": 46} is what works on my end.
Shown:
{"hour": 5, "minute": 33}
